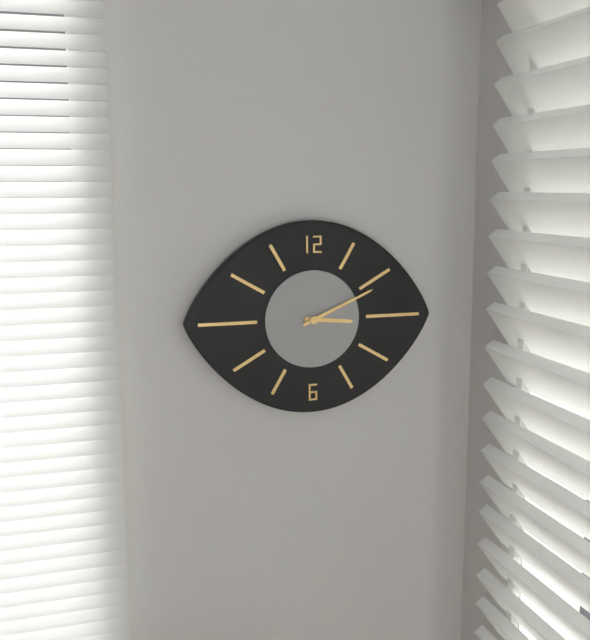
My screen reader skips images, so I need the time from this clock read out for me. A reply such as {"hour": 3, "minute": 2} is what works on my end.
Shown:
{"hour": 3, "minute": 11}
